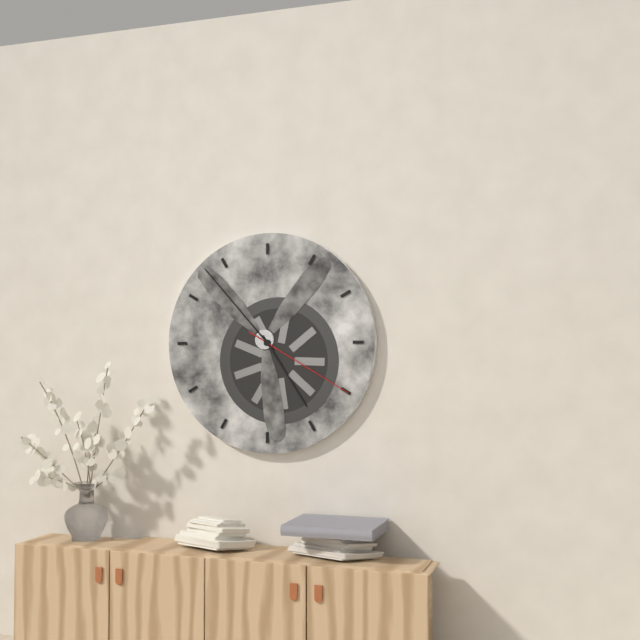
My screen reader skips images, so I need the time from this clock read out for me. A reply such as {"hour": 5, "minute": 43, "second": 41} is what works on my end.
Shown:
{"hour": 4, "minute": 53, "second": 20}
